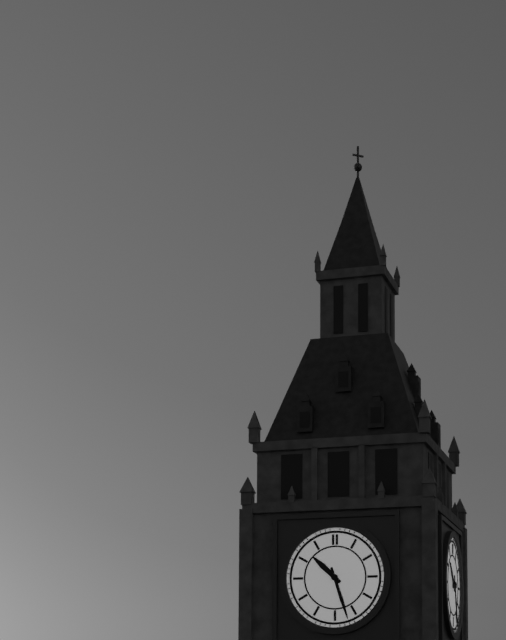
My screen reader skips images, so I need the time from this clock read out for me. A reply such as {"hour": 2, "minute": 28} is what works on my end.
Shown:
{"hour": 10, "minute": 27}
